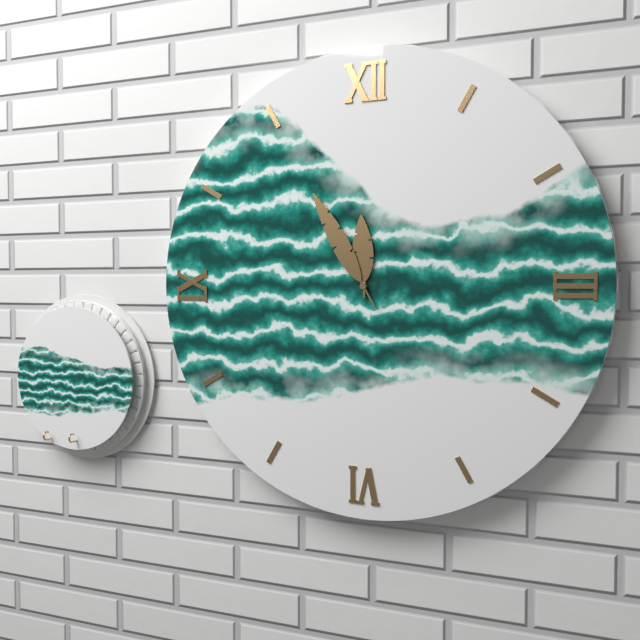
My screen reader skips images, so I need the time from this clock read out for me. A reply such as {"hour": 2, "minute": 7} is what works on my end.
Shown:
{"hour": 11, "minute": 55}
